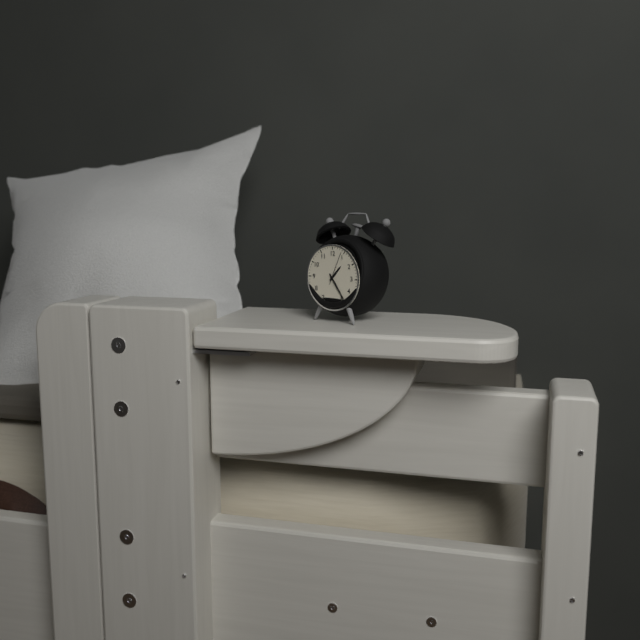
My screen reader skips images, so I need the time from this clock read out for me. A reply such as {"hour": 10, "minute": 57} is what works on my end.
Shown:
{"hour": 1, "minute": 24}
